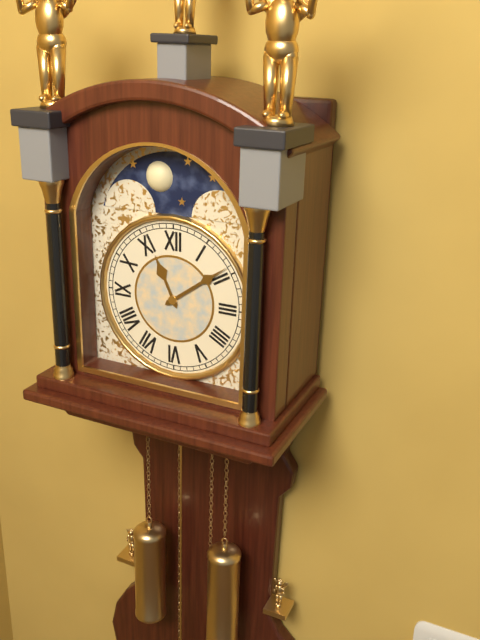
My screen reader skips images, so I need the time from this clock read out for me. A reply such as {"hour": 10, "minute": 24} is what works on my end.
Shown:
{"hour": 11, "minute": 9}
